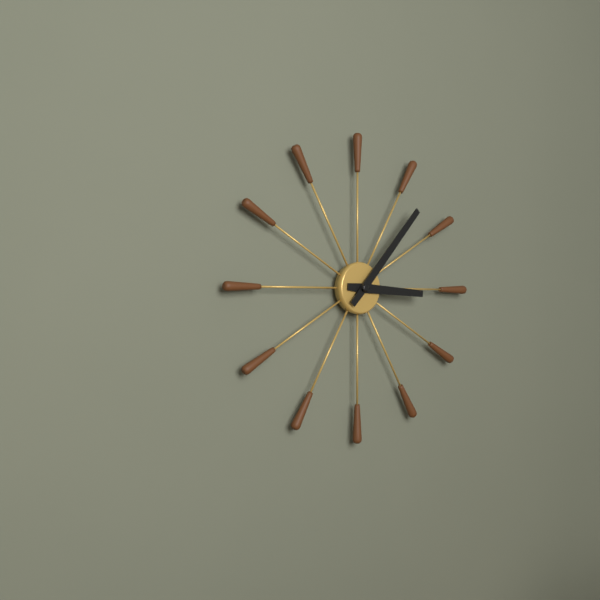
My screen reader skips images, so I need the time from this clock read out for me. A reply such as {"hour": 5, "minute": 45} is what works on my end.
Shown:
{"hour": 3, "minute": 7}
